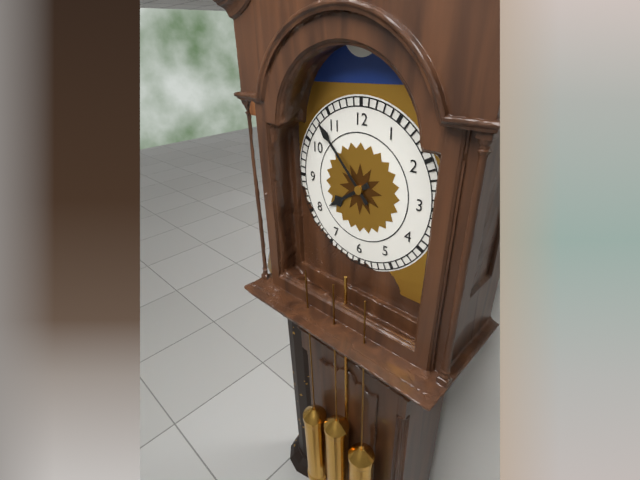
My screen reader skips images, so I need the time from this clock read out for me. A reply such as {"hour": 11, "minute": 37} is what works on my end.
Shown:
{"hour": 7, "minute": 53}
